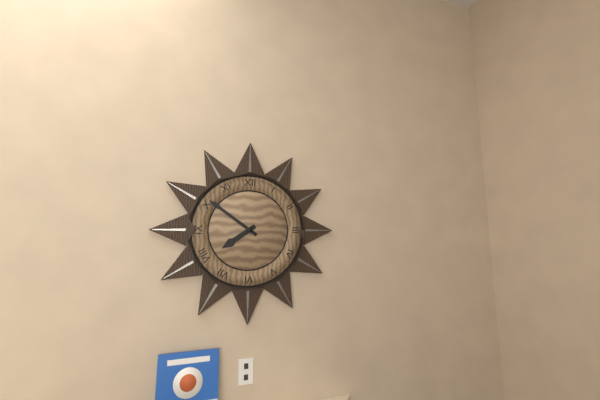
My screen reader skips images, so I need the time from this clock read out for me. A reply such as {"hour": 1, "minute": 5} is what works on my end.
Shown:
{"hour": 7, "minute": 51}
